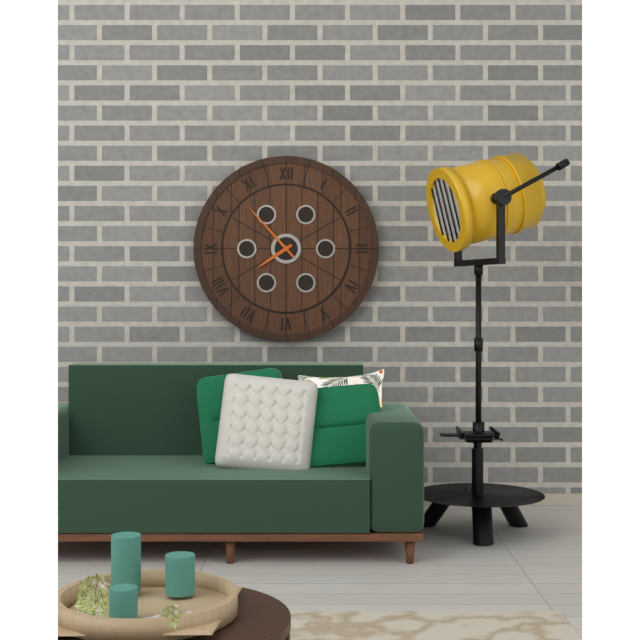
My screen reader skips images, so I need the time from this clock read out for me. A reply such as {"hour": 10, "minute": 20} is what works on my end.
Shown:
{"hour": 7, "minute": 53}
